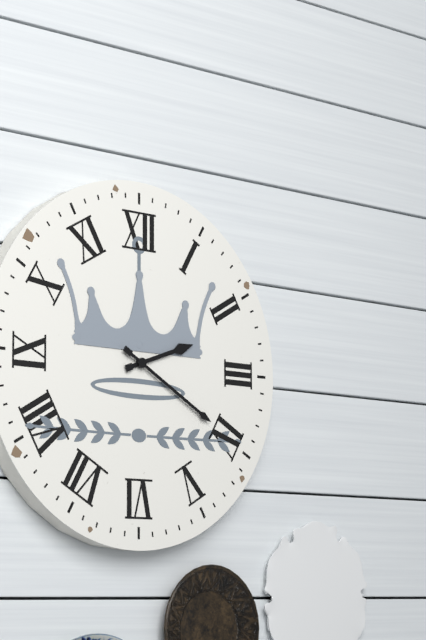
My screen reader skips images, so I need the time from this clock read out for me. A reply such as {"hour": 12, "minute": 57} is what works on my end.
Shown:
{"hour": 2, "minute": 20}
